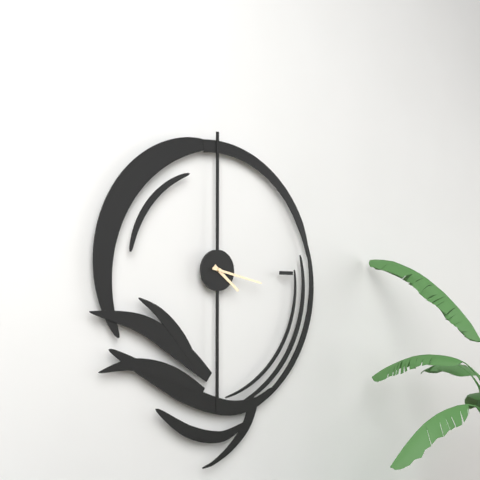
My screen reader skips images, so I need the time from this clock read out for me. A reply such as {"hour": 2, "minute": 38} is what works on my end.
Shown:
{"hour": 4, "minute": 17}
